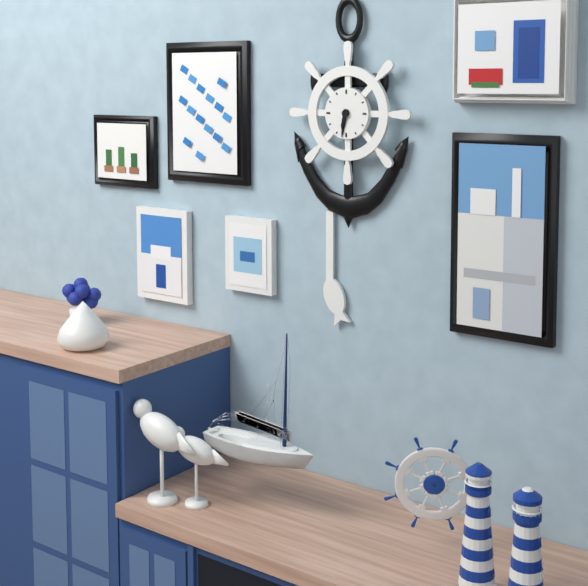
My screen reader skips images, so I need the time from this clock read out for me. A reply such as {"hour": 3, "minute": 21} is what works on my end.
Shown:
{"hour": 6, "minute": 32}
